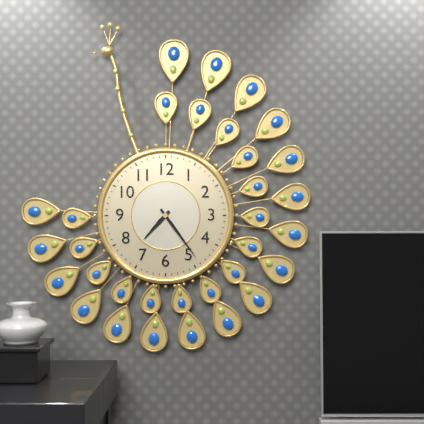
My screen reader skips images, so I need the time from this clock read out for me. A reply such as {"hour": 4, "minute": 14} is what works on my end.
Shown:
{"hour": 7, "minute": 24}
